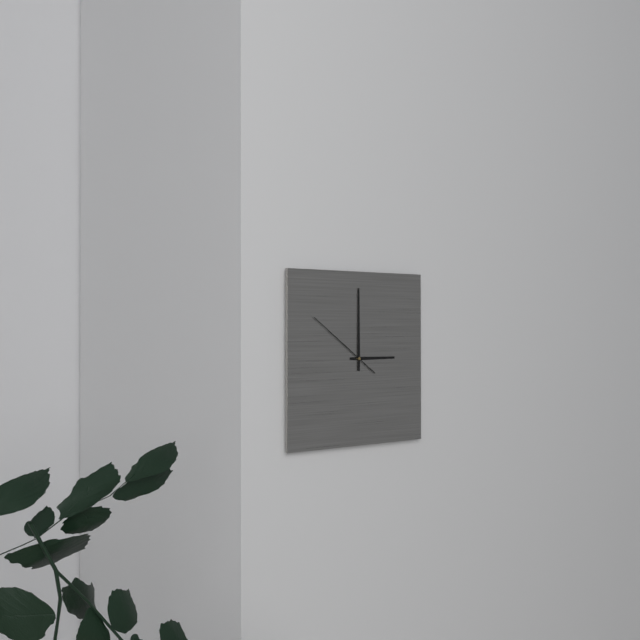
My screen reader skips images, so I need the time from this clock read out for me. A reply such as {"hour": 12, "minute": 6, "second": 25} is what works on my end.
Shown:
{"hour": 3, "minute": 0, "second": 51}
